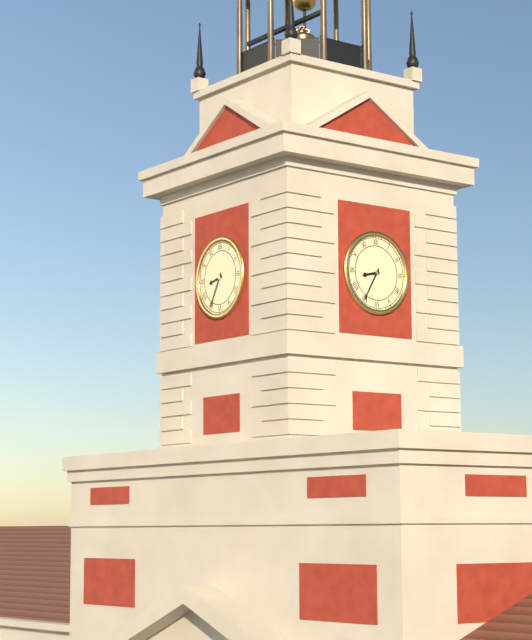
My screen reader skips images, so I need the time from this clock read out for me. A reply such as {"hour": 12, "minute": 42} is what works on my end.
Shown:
{"hour": 8, "minute": 35}
